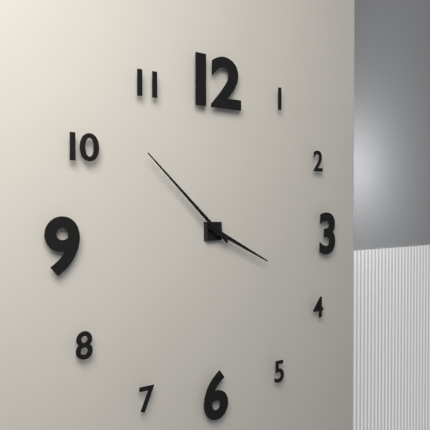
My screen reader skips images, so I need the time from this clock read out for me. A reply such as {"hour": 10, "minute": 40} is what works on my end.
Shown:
{"hour": 3, "minute": 52}
